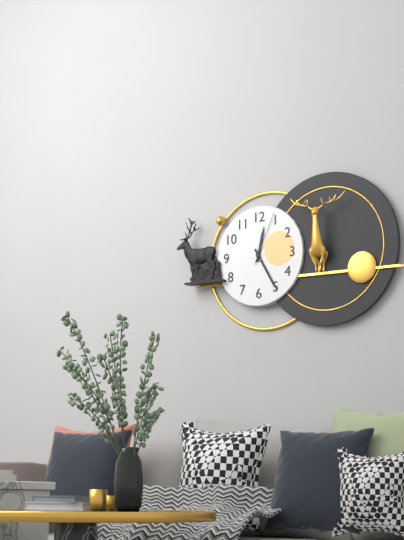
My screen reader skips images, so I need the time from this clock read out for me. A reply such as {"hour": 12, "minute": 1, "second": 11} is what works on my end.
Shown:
{"hour": 12, "minute": 25, "second": 4}
